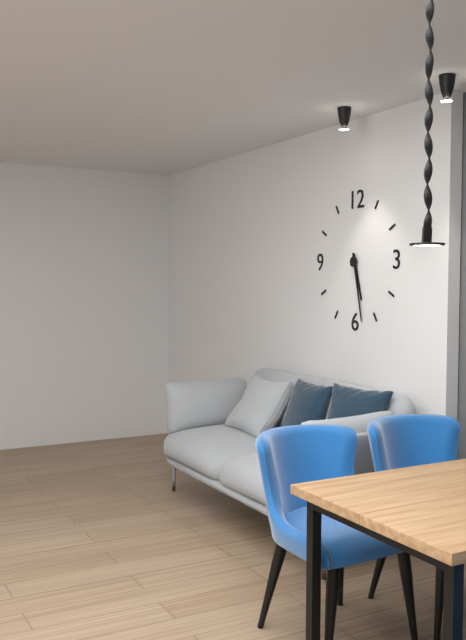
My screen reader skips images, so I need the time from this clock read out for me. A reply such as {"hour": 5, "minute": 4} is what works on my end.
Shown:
{"hour": 5, "minute": 28}
